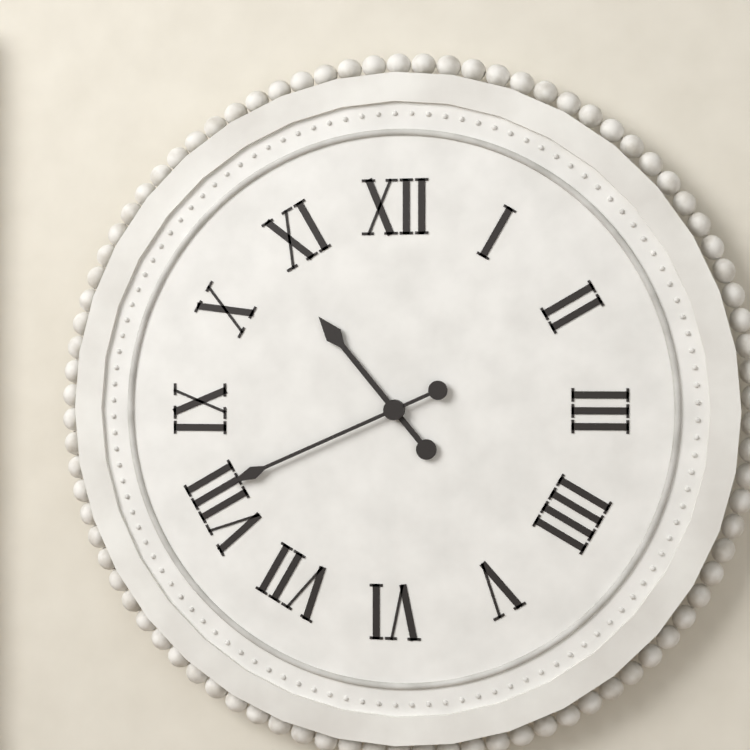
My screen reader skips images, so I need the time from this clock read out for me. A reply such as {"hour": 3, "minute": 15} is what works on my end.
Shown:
{"hour": 10, "minute": 41}
